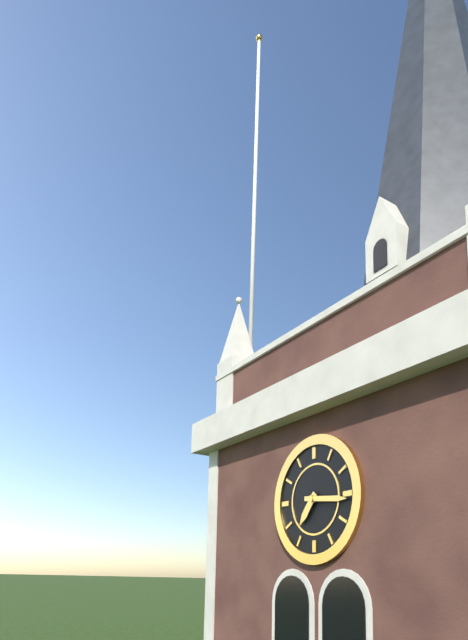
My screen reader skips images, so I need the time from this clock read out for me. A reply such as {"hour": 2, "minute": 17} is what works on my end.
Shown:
{"hour": 7, "minute": 16}
